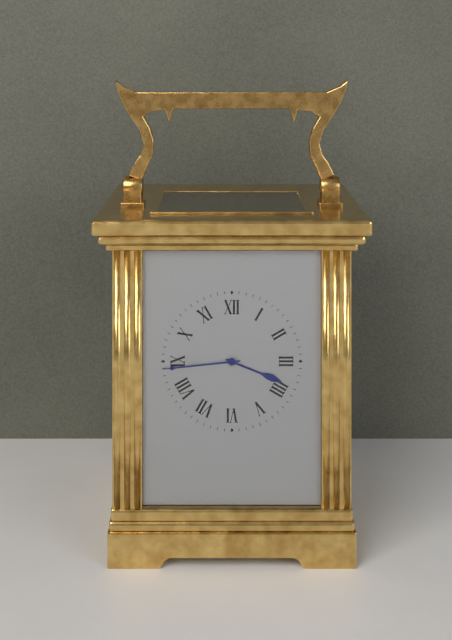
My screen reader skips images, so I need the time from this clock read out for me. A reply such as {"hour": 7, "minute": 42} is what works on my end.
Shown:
{"hour": 3, "minute": 44}
